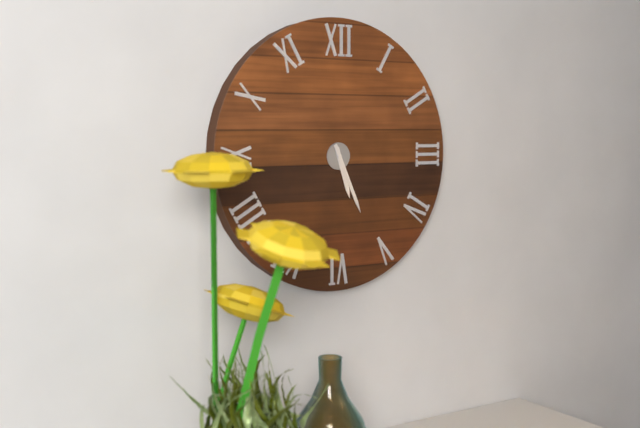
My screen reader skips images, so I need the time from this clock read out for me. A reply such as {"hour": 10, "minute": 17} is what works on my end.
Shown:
{"hour": 5, "minute": 26}
